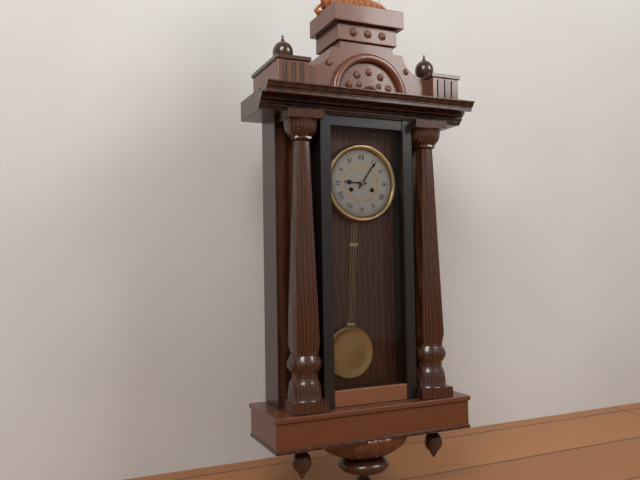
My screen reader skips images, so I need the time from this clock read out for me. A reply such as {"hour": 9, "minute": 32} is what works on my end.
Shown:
{"hour": 9, "minute": 6}
